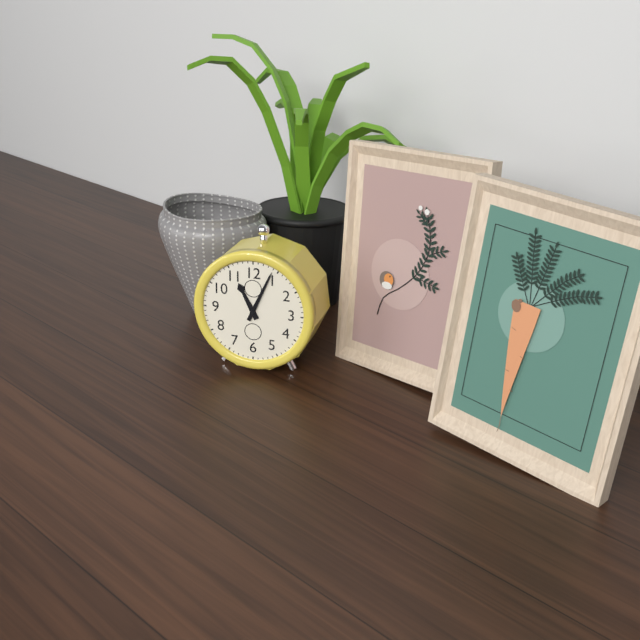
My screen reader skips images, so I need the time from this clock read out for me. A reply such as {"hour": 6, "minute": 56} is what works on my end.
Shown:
{"hour": 11, "minute": 4}
